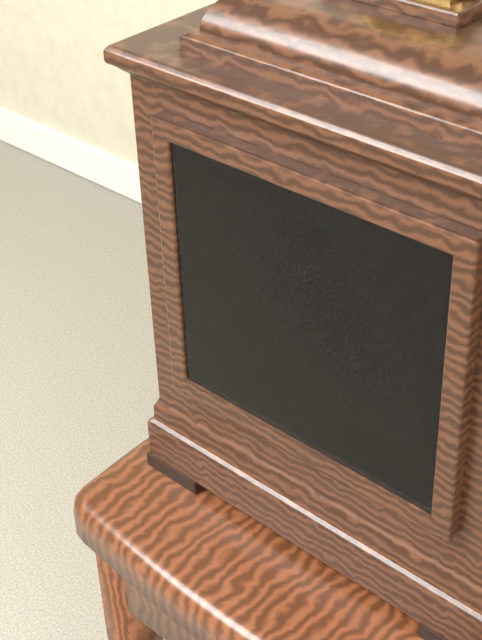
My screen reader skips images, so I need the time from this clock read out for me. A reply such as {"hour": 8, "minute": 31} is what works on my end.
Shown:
{"hour": 4, "minute": 25}
